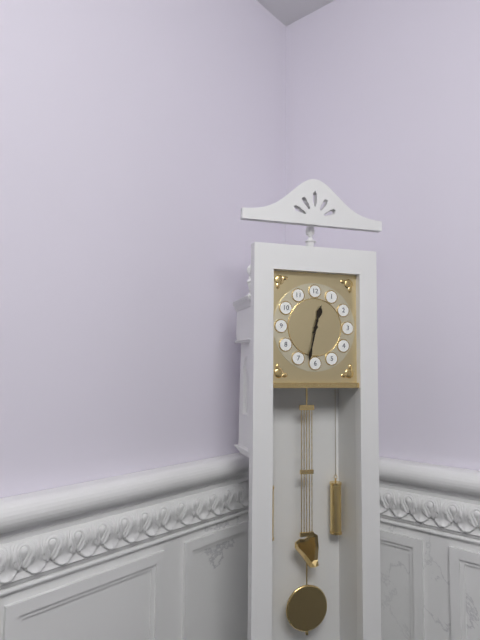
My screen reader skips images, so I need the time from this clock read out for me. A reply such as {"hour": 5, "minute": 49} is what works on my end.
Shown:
{"hour": 12, "minute": 32}
